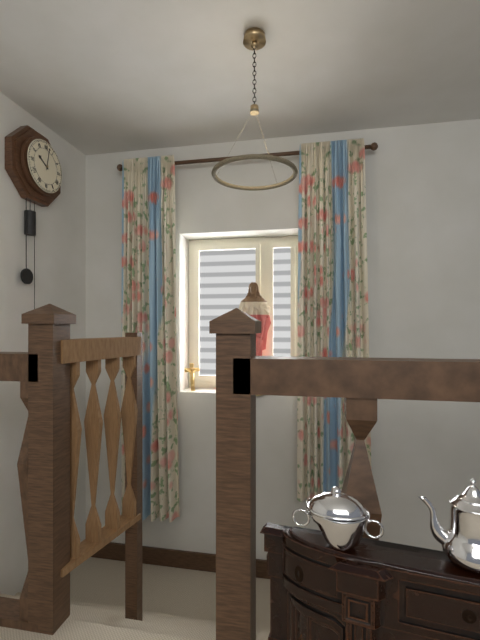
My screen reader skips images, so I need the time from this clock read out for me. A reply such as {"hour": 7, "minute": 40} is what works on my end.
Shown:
{"hour": 10, "minute": 2}
